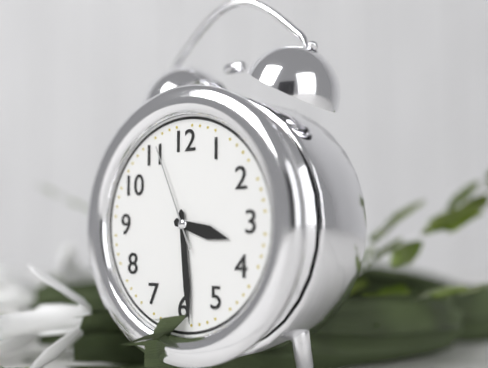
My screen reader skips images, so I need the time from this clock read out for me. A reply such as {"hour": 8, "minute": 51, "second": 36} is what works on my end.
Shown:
{"hour": 3, "minute": 29, "second": 56}
